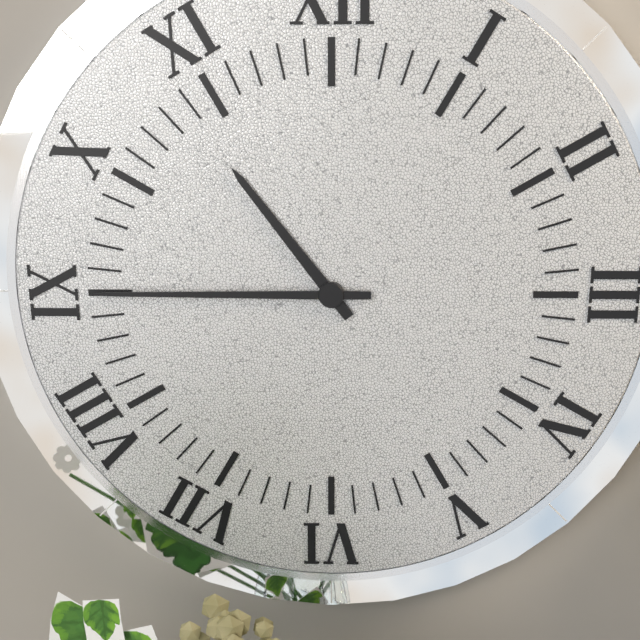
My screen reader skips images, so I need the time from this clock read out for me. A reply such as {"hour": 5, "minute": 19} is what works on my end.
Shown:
{"hour": 10, "minute": 45}
